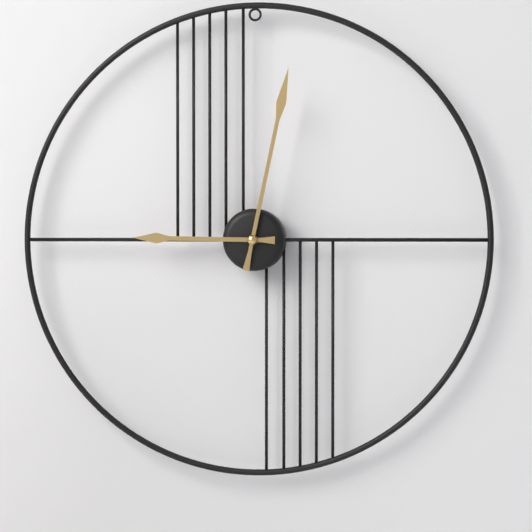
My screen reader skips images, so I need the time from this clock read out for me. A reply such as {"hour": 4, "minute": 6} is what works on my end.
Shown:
{"hour": 9, "minute": 2}
